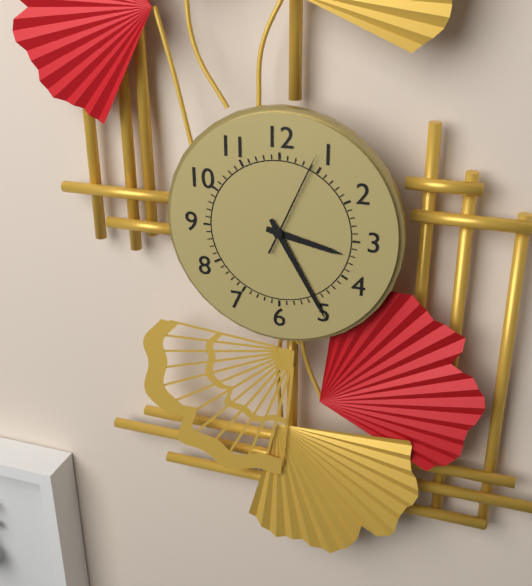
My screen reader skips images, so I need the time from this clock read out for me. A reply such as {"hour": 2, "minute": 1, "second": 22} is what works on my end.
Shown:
{"hour": 3, "minute": 25, "second": 4}
